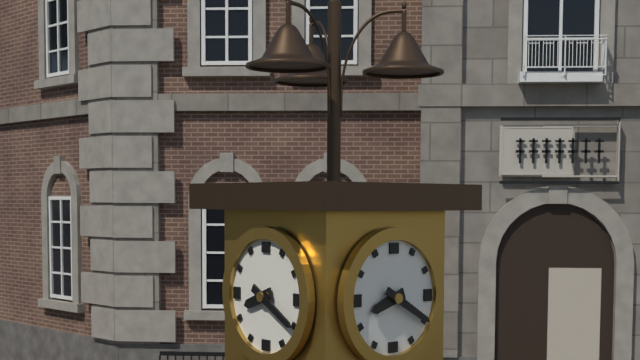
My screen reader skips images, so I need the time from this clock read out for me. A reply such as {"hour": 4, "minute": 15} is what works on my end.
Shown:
{"hour": 8, "minute": 20}
